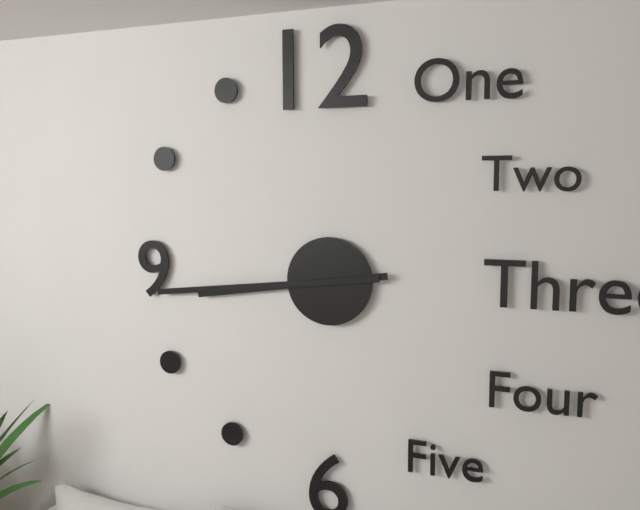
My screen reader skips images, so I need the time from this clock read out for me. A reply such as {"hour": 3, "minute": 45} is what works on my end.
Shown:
{"hour": 8, "minute": 44}
